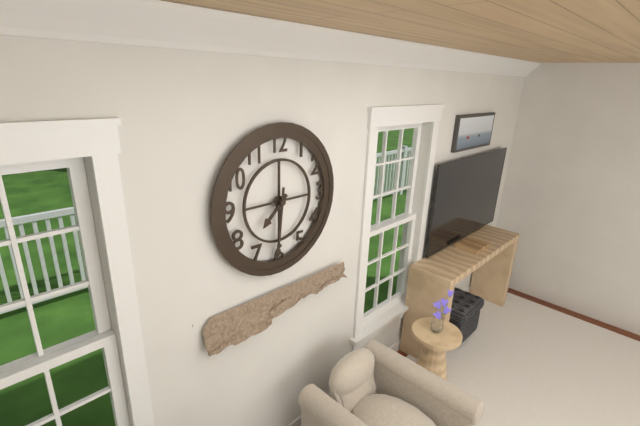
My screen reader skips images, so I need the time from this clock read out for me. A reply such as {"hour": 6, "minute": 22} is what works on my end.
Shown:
{"hour": 7, "minute": 31}
